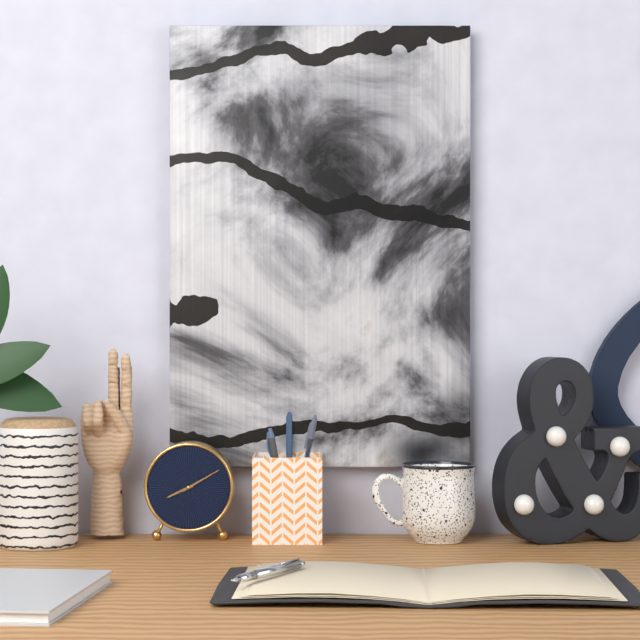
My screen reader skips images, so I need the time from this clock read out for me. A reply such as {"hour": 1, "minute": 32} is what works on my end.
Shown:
{"hour": 8, "minute": 10}
